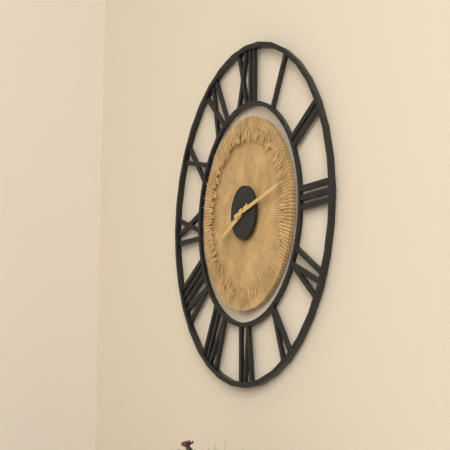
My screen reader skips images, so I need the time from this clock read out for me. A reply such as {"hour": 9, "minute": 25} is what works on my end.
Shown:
{"hour": 8, "minute": 13}
